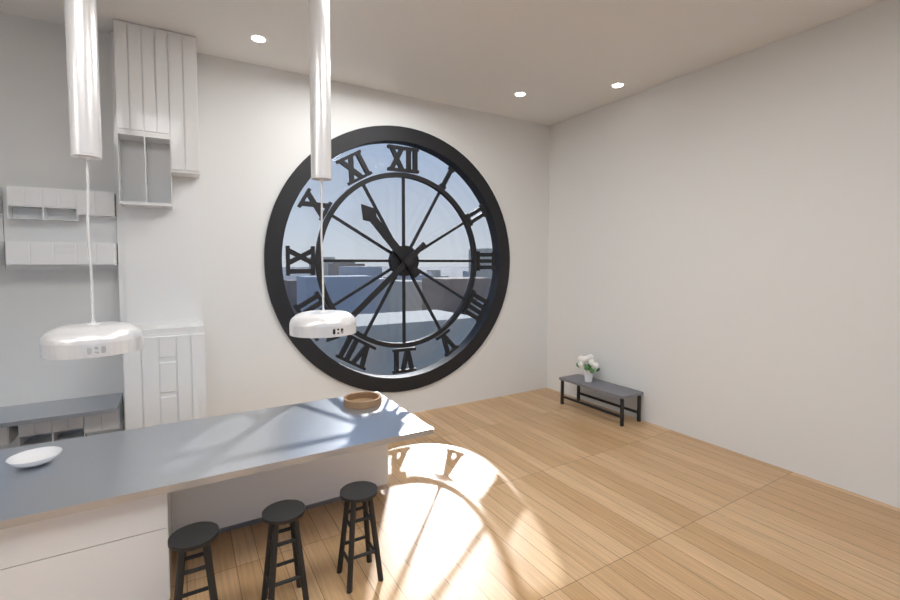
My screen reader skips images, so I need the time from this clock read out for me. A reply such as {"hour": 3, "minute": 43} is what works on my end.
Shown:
{"hour": 10, "minute": 38}
